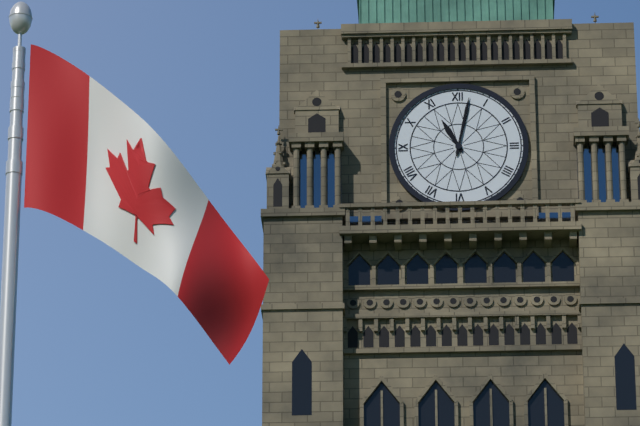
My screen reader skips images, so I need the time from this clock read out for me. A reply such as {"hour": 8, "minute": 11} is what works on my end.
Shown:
{"hour": 11, "minute": 2}
